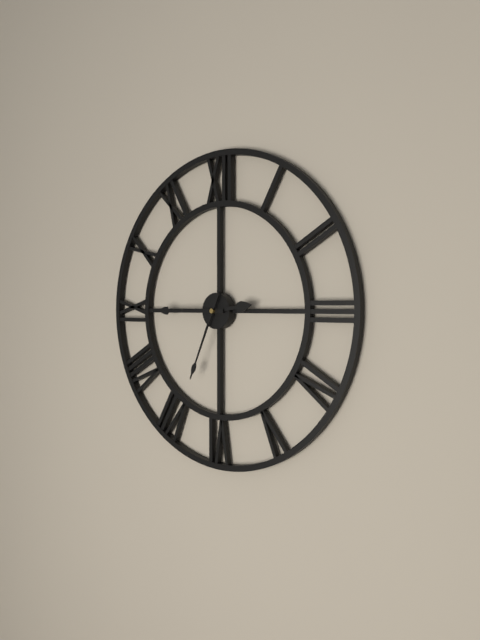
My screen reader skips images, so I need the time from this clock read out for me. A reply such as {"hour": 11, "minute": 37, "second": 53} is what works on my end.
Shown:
{"hour": 2, "minute": 45, "second": 34}
